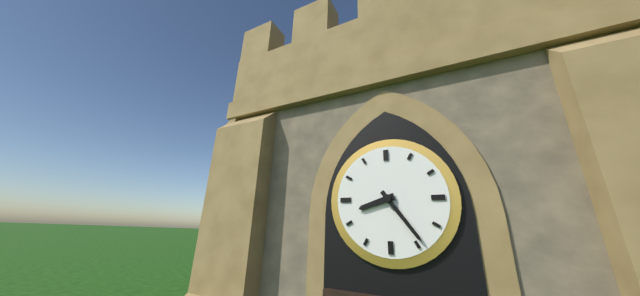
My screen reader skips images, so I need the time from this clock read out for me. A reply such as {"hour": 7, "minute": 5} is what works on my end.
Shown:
{"hour": 8, "minute": 24}
